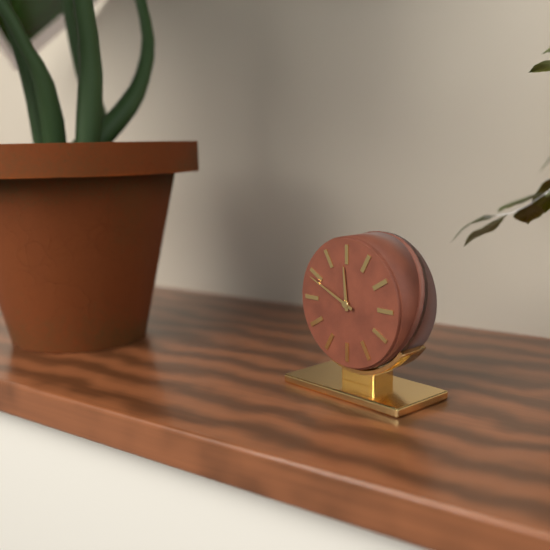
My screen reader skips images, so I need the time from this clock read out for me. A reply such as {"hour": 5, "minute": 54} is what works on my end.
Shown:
{"hour": 11, "minute": 49}
